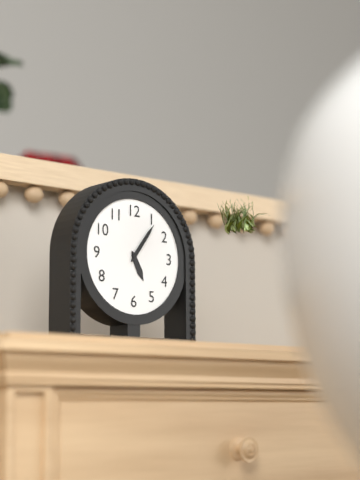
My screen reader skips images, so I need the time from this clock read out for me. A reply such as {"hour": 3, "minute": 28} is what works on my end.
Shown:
{"hour": 5, "minute": 6}
